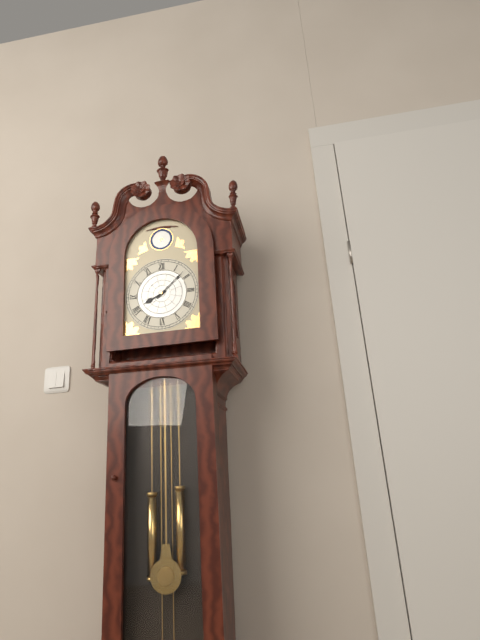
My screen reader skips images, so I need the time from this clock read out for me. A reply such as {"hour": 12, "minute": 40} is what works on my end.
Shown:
{"hour": 8, "minute": 8}
